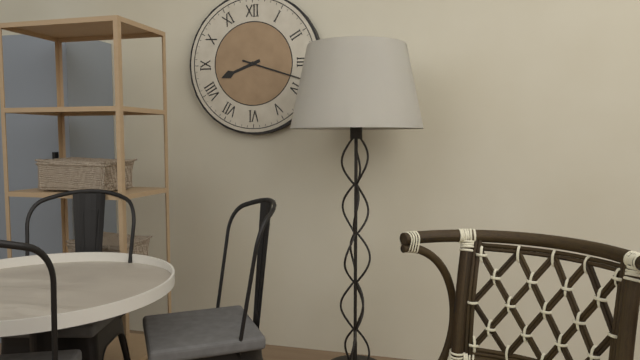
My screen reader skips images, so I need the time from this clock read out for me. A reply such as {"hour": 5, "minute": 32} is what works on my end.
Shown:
{"hour": 8, "minute": 18}
